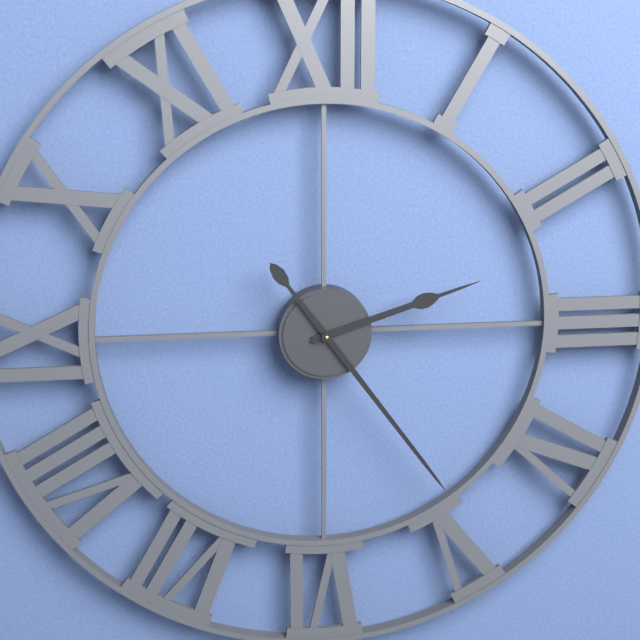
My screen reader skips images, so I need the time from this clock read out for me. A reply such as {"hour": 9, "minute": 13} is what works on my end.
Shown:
{"hour": 2, "minute": 24}
